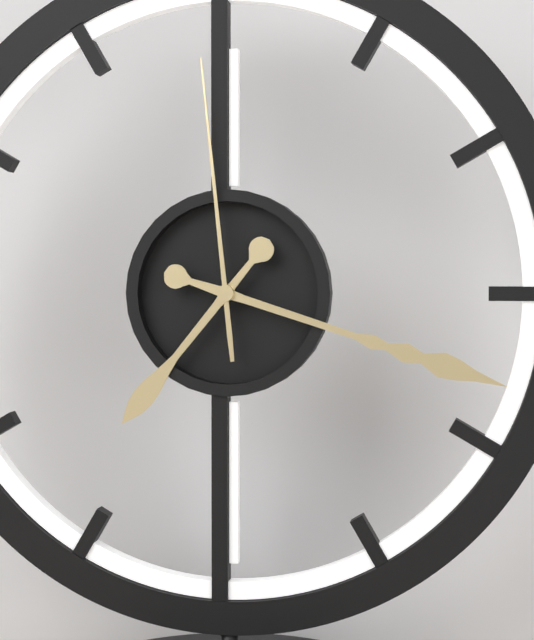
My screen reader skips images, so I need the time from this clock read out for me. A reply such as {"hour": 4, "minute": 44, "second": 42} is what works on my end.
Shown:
{"hour": 7, "minute": 18, "second": 59}
